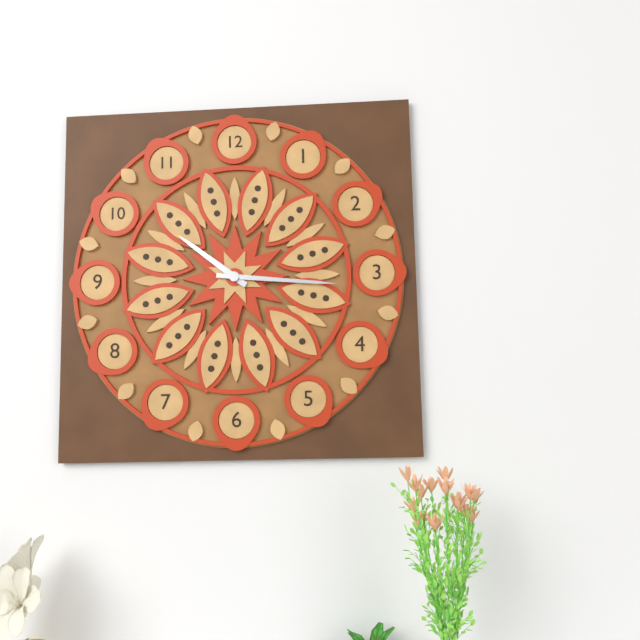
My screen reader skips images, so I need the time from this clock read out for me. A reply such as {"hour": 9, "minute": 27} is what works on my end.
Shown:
{"hour": 10, "minute": 16}
